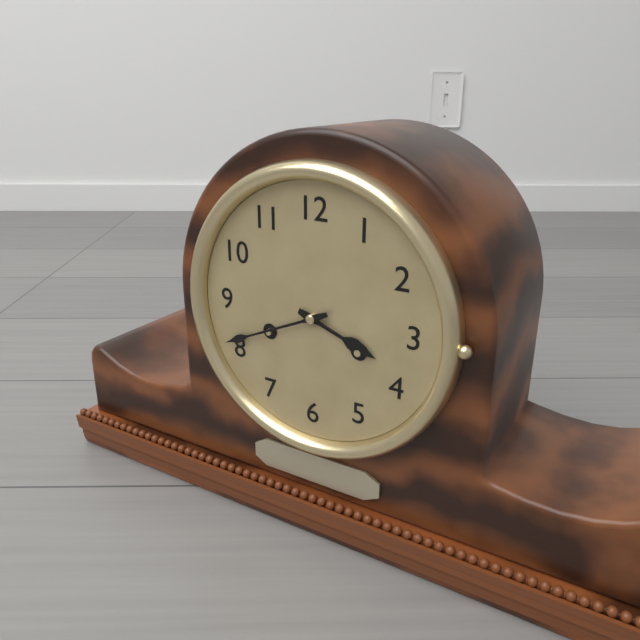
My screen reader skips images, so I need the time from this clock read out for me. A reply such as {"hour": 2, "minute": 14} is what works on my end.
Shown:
{"hour": 3, "minute": 41}
